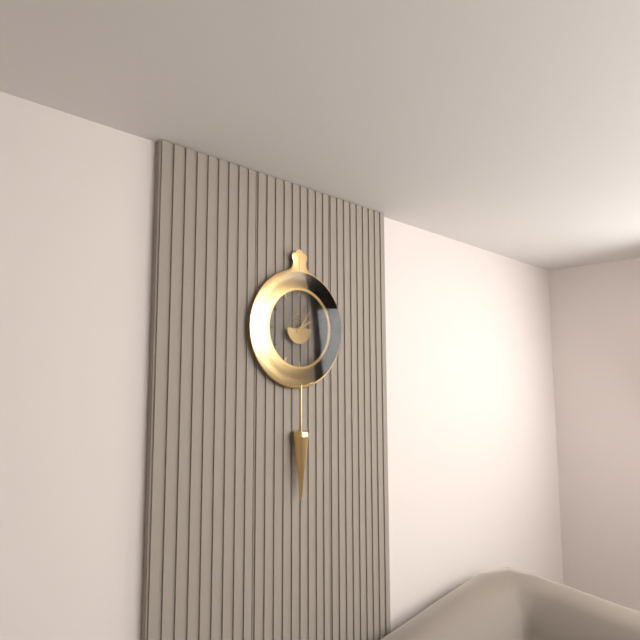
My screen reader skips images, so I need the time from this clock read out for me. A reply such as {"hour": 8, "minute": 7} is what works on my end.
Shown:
{"hour": 2, "minute": 6}
